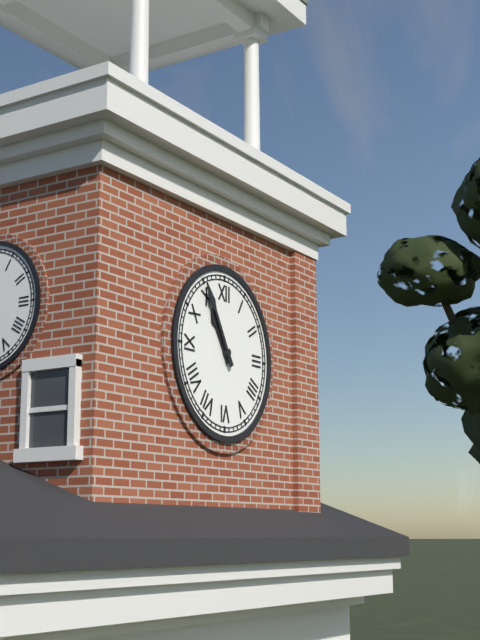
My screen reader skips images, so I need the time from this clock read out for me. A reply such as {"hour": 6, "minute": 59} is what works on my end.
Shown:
{"hour": 10, "minute": 55}
